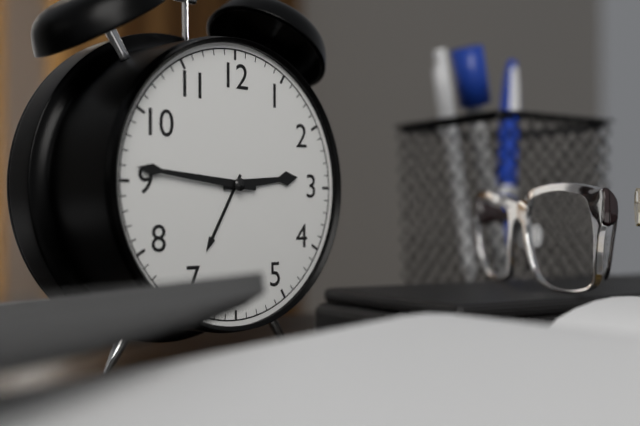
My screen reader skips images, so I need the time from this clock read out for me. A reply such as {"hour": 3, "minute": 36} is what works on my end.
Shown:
{"hour": 2, "minute": 46}
